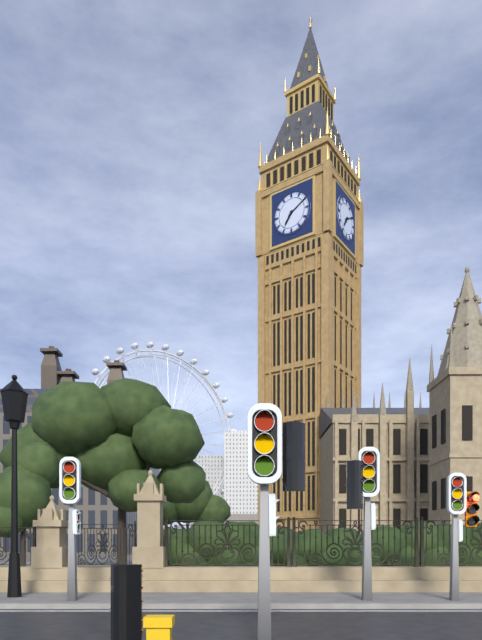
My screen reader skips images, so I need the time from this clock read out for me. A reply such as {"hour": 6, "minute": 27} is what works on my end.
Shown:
{"hour": 7, "minute": 10}
